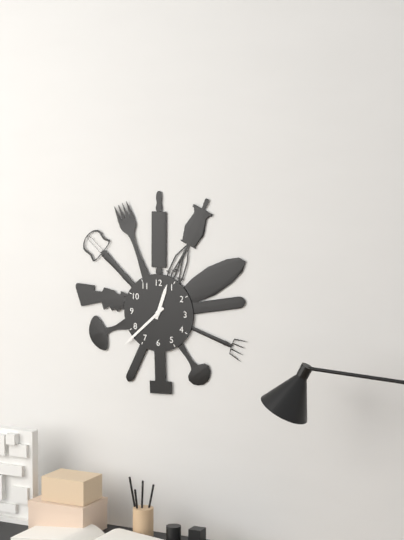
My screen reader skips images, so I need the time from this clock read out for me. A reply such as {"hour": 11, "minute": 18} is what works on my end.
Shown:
{"hour": 12, "minute": 38}
